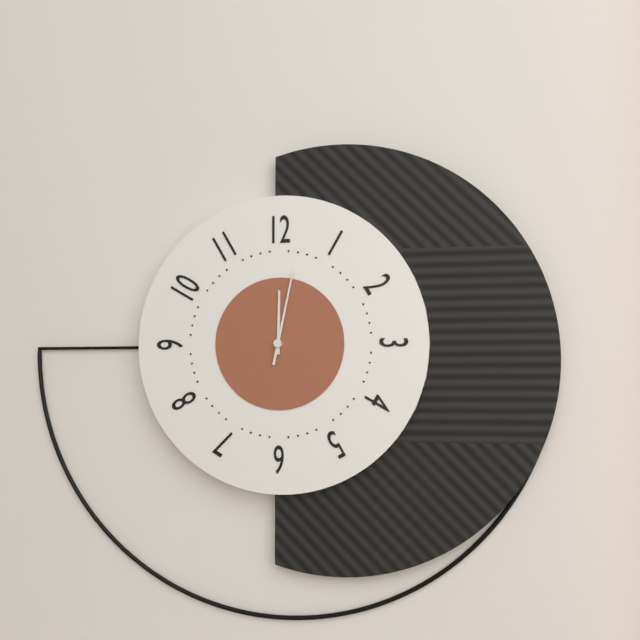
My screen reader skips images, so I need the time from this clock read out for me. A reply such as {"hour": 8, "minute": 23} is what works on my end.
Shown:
{"hour": 12, "minute": 2}
